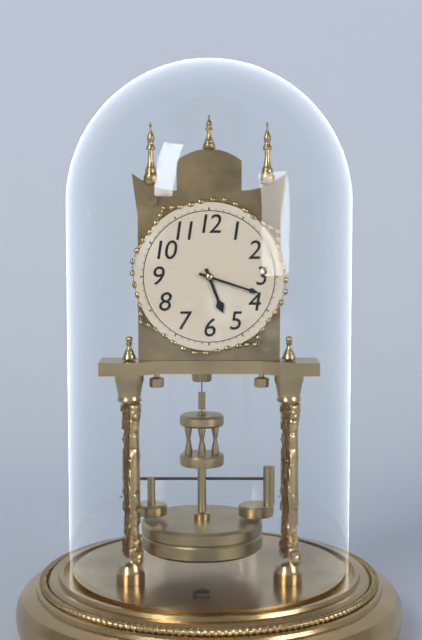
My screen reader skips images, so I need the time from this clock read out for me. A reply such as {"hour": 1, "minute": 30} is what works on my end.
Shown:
{"hour": 5, "minute": 18}
